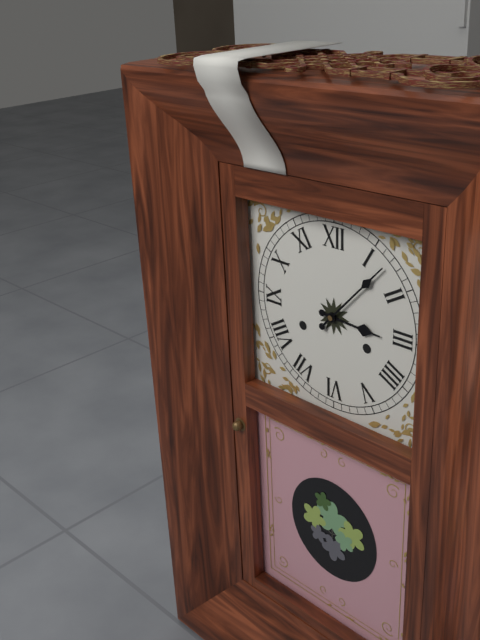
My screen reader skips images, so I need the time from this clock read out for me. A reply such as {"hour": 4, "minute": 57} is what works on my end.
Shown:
{"hour": 3, "minute": 7}
